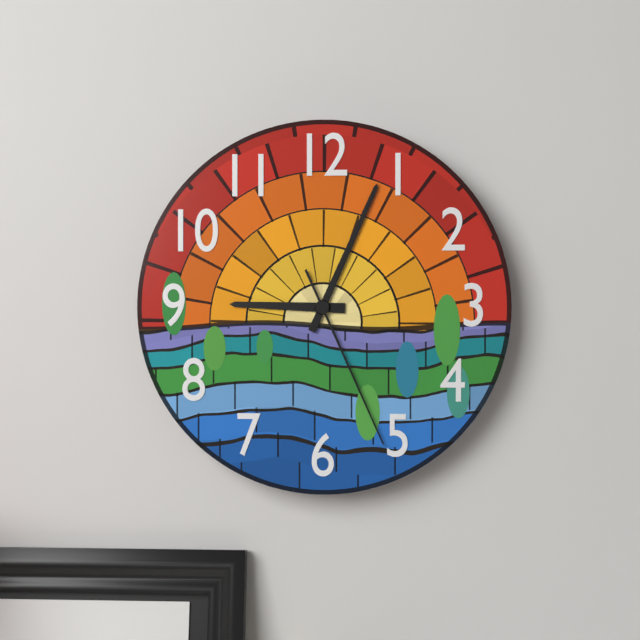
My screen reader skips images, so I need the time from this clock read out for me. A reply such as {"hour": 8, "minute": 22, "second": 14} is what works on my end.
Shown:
{"hour": 9, "minute": 4, "second": 26}
